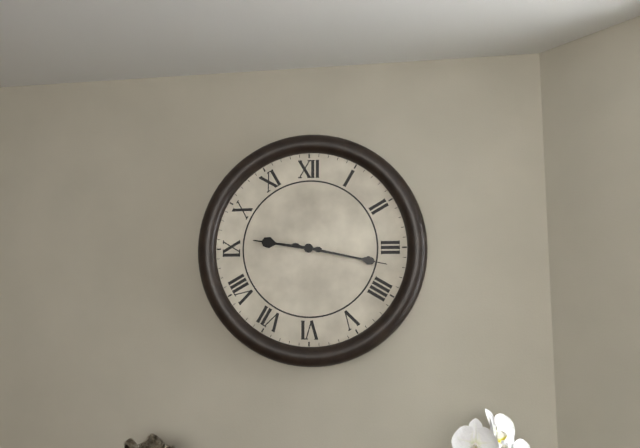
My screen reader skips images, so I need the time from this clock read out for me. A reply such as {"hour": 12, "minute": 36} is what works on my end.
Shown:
{"hour": 9, "minute": 17}
